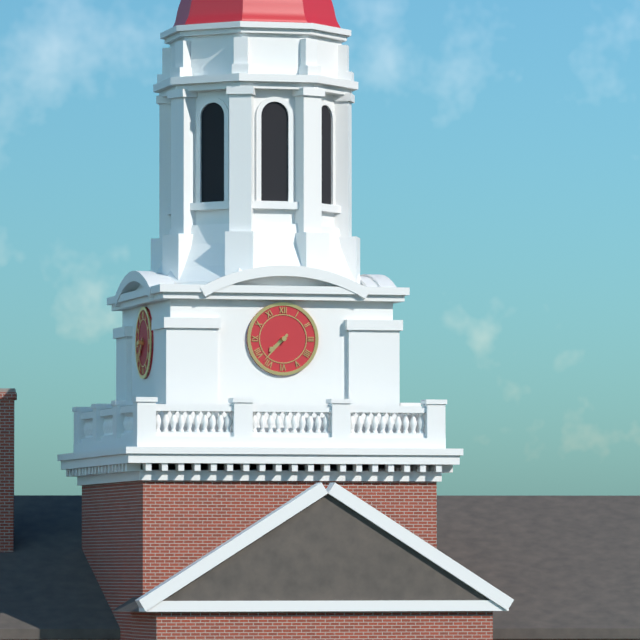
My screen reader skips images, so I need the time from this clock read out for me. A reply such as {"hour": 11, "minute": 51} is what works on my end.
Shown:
{"hour": 7, "minute": 37}
